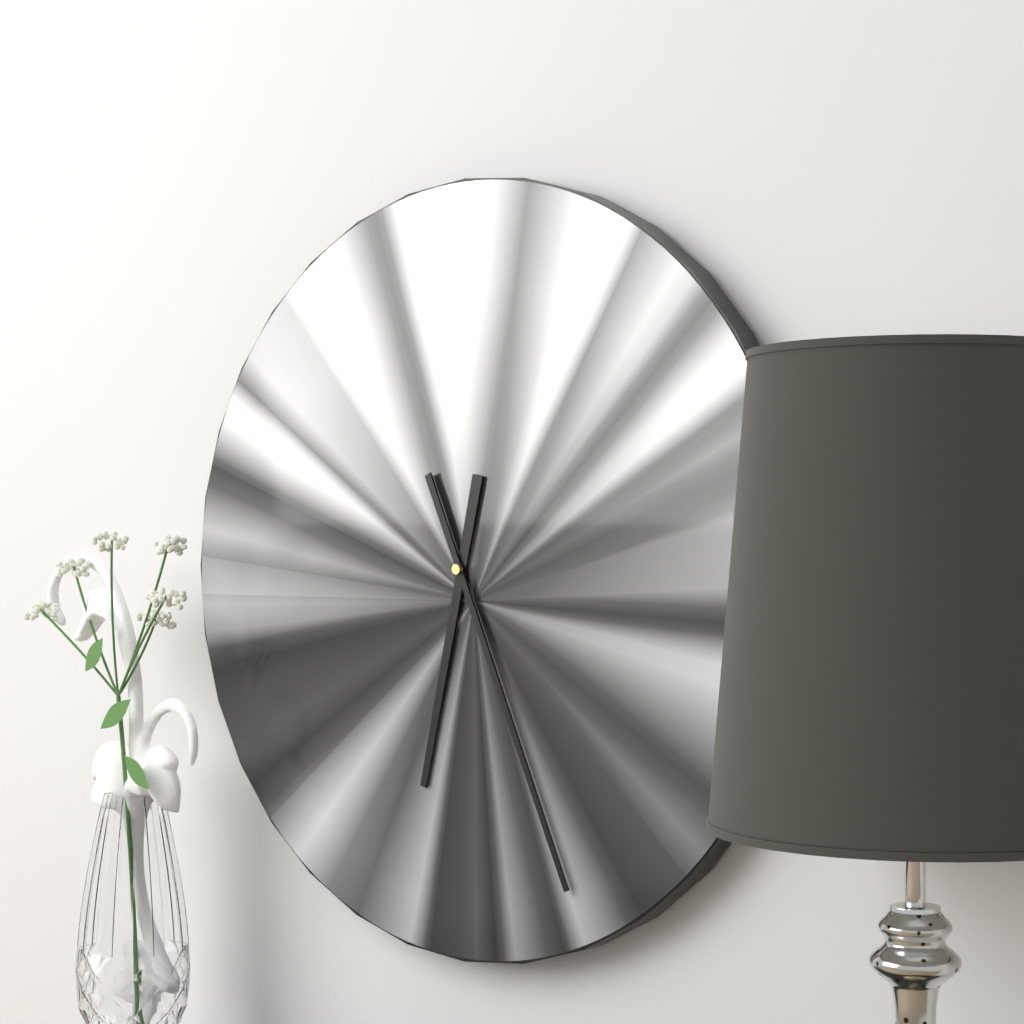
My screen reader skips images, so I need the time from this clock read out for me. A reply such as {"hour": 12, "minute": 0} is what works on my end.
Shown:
{"hour": 6, "minute": 26}
